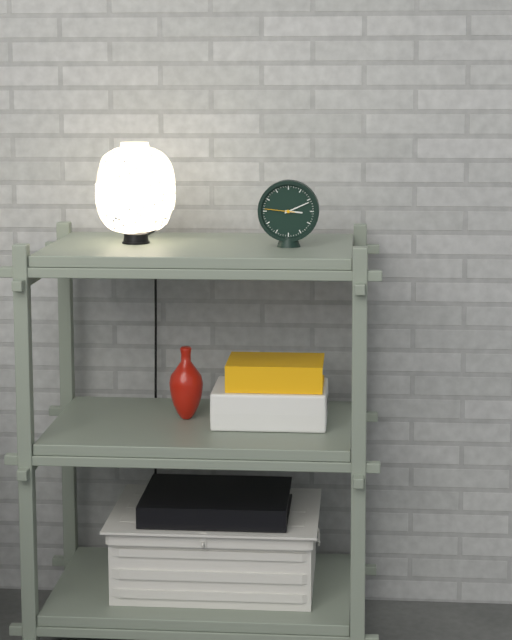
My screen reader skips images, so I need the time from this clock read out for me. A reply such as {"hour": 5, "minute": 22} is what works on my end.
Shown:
{"hour": 3, "minute": 11}
